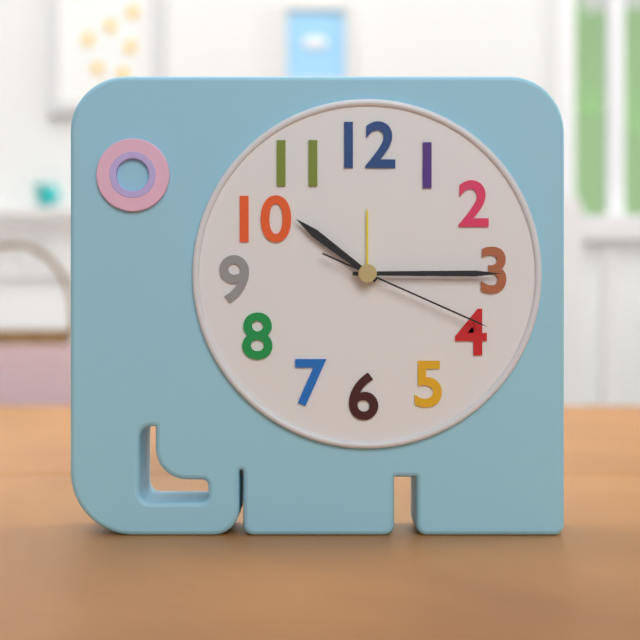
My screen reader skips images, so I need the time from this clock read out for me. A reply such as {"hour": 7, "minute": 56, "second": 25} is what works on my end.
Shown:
{"hour": 10, "minute": 15, "second": 19}
